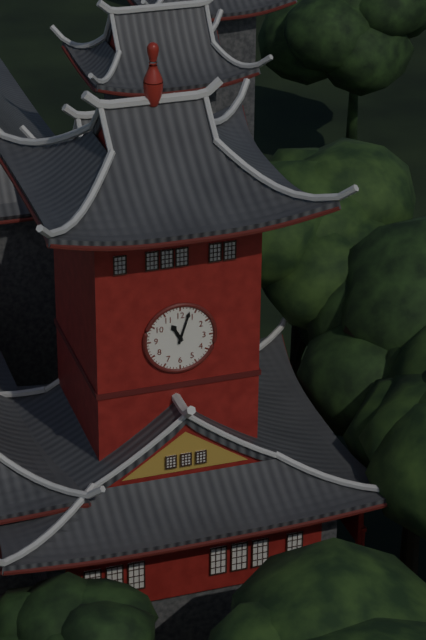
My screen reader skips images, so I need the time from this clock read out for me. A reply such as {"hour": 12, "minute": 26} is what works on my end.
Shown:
{"hour": 11, "minute": 3}
